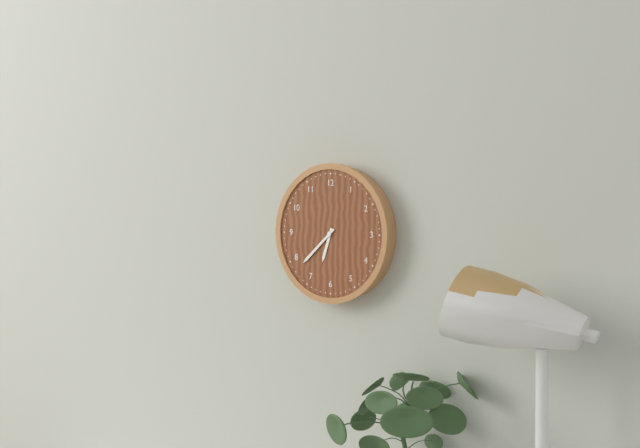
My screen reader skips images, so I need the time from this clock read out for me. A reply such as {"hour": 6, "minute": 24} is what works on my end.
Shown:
{"hour": 6, "minute": 38}
